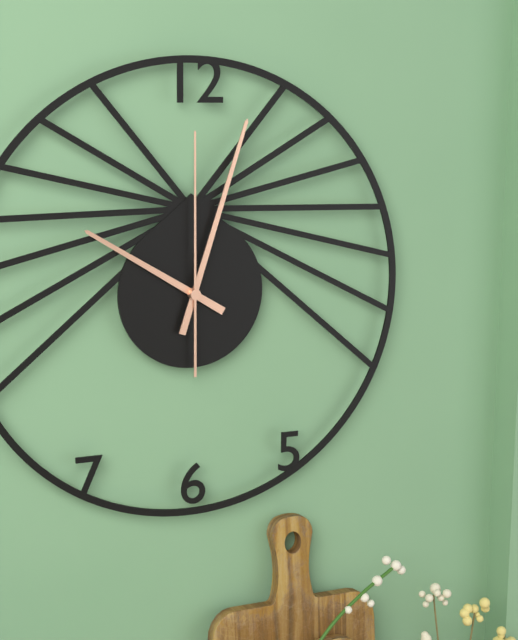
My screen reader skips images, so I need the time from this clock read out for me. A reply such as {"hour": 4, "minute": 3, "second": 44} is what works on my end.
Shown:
{"hour": 10, "minute": 3, "second": 0}
